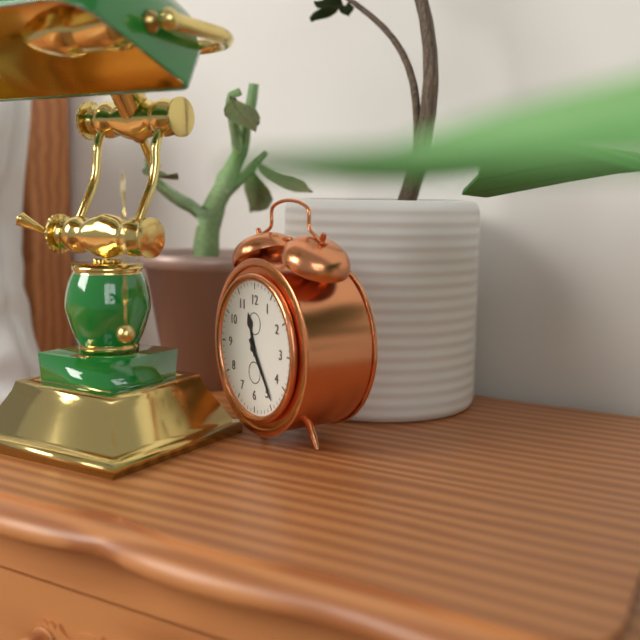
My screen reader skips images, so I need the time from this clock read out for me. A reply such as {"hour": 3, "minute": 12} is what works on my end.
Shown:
{"hour": 11, "minute": 24}
